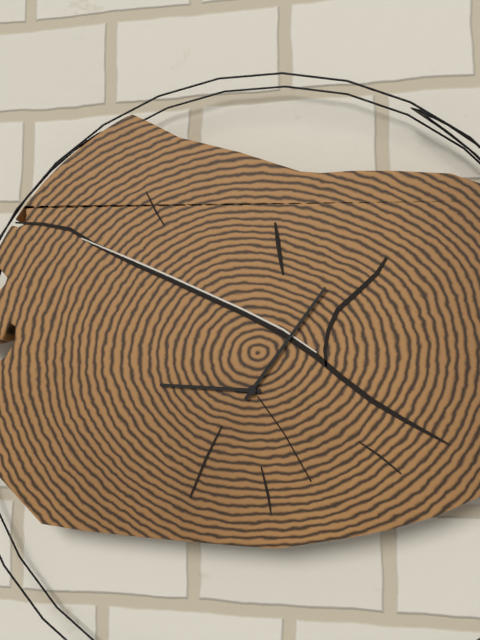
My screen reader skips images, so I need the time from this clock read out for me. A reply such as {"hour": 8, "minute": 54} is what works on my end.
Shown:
{"hour": 9, "minute": 6}
